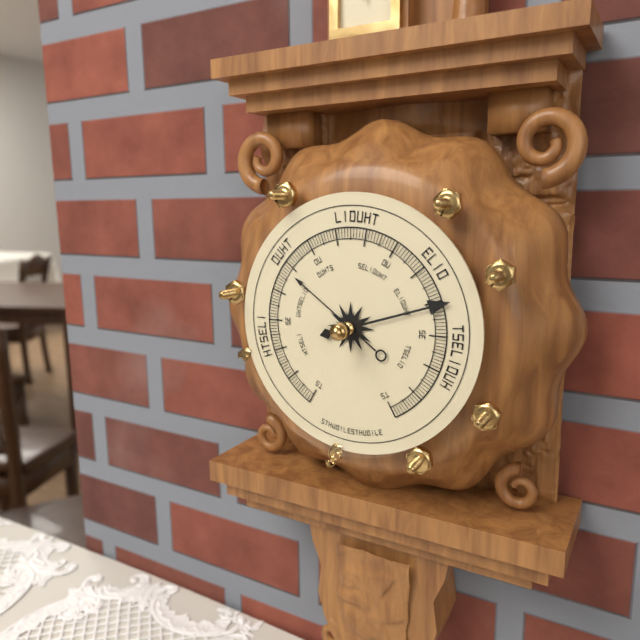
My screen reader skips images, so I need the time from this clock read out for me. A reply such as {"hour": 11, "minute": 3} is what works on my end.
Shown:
{"hour": 10, "minute": 12}
